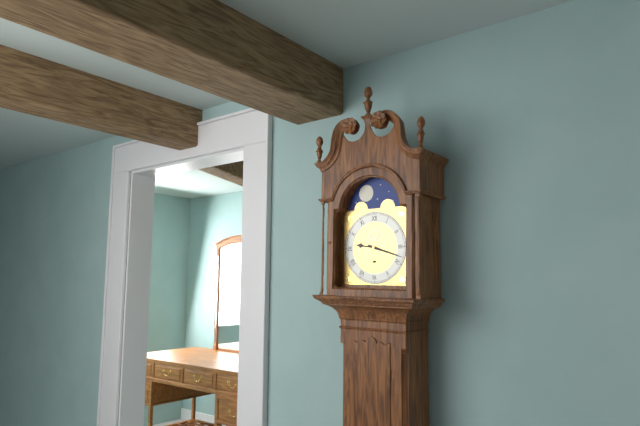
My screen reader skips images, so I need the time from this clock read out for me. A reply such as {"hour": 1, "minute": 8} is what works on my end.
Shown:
{"hour": 9, "minute": 18}
